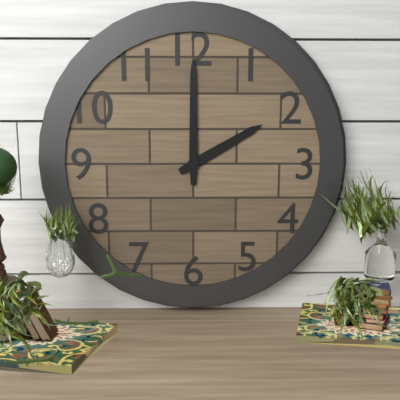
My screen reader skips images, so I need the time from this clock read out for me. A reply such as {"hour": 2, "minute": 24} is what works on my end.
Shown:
{"hour": 2, "minute": 0}
